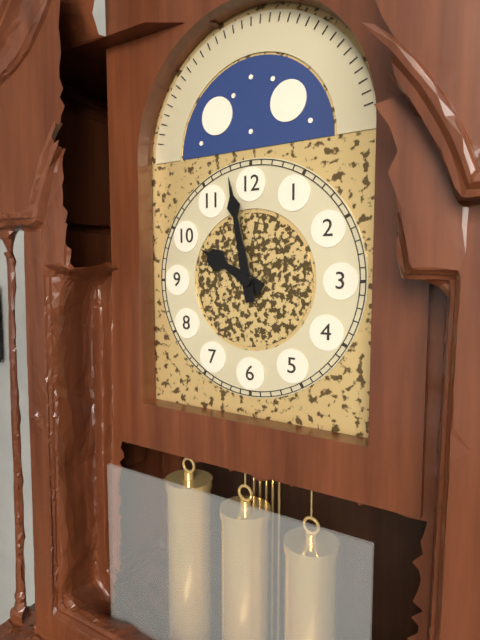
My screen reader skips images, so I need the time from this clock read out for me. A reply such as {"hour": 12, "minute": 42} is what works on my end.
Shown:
{"hour": 9, "minute": 58}
